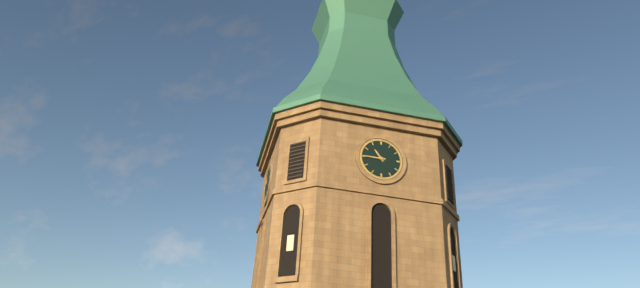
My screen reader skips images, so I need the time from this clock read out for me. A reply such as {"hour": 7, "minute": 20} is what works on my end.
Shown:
{"hour": 10, "minute": 45}
